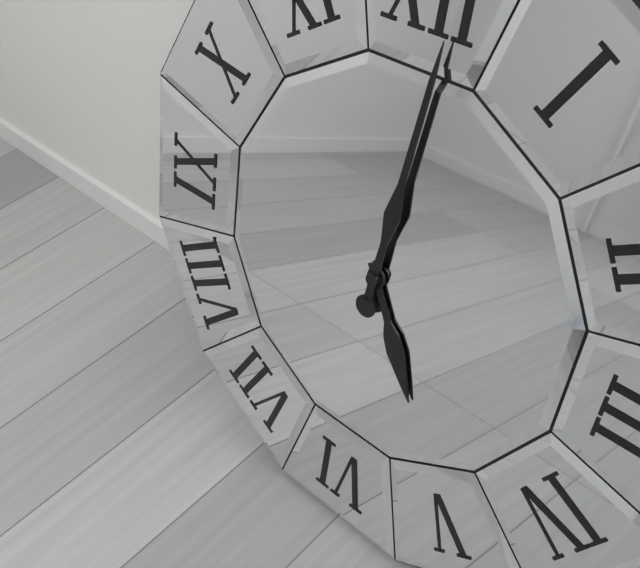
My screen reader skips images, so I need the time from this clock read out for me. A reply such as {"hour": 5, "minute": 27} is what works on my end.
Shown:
{"hour": 5, "minute": 1}
